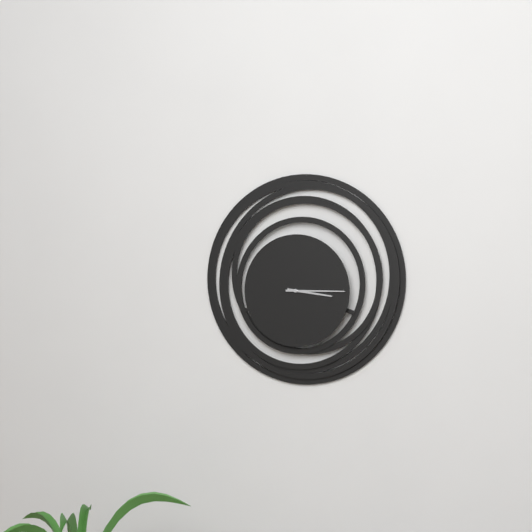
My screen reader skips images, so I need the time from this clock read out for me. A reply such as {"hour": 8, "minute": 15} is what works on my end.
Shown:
{"hour": 3, "minute": 15}
